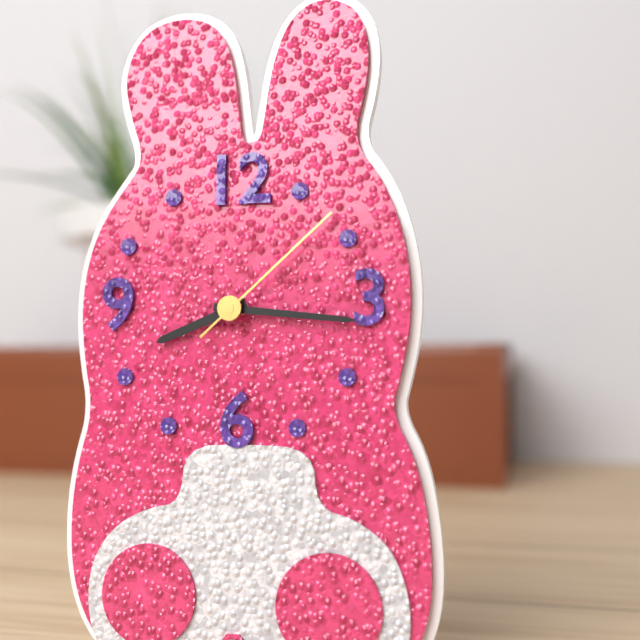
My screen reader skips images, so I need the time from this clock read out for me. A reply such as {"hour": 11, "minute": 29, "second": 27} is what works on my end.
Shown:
{"hour": 8, "minute": 16, "second": 8}
